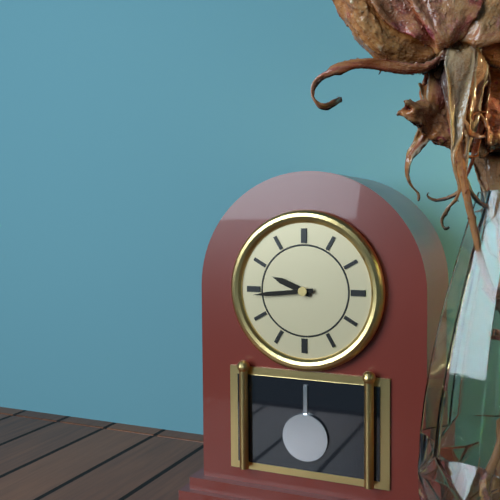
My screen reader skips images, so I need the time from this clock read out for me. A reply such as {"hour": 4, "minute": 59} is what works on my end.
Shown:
{"hour": 9, "minute": 44}
